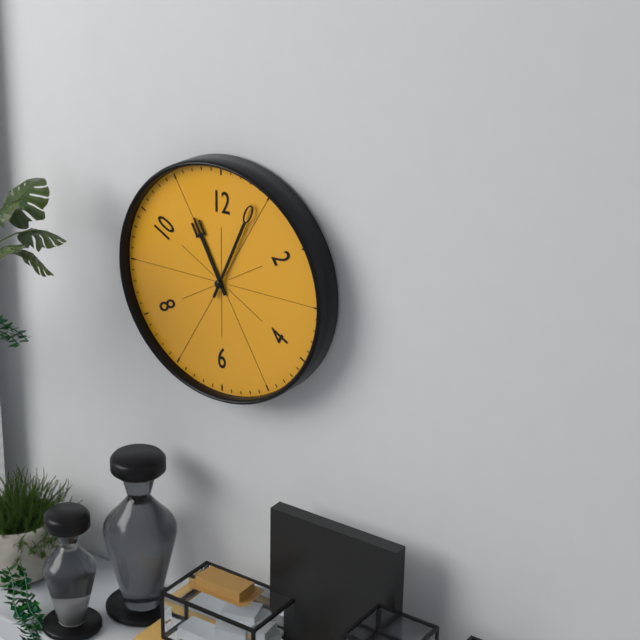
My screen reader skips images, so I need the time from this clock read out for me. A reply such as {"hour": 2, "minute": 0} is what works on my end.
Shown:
{"hour": 11, "minute": 4}
